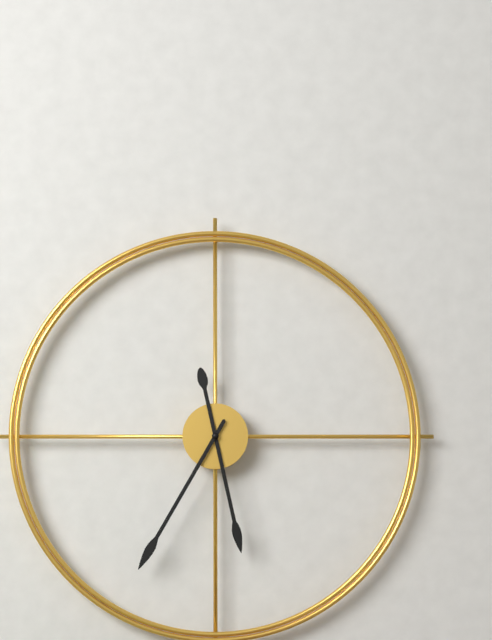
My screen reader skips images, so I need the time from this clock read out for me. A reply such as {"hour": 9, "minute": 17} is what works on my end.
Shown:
{"hour": 5, "minute": 35}
